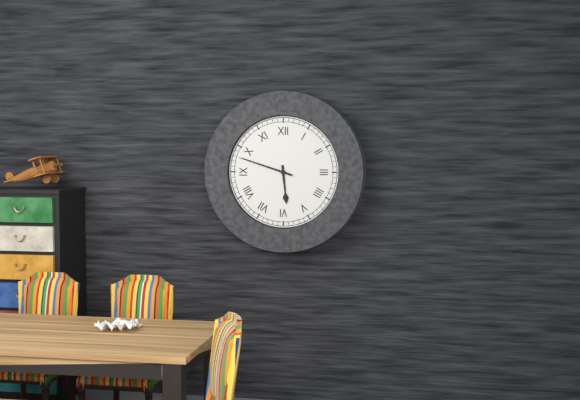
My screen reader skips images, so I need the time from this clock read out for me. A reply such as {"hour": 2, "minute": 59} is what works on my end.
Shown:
{"hour": 5, "minute": 48}
